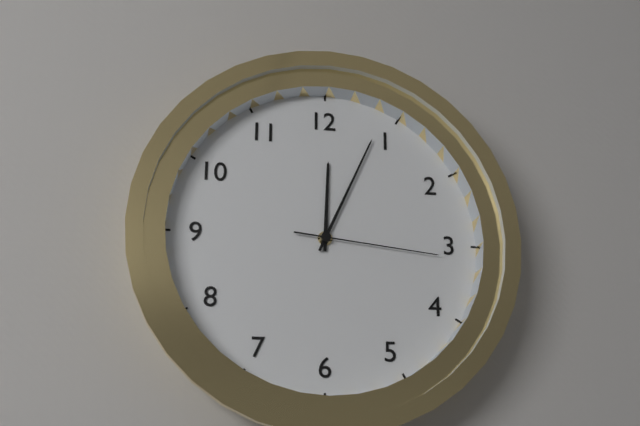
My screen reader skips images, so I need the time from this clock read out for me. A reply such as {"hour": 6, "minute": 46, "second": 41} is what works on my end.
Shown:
{"hour": 12, "minute": 4, "second": 16}
